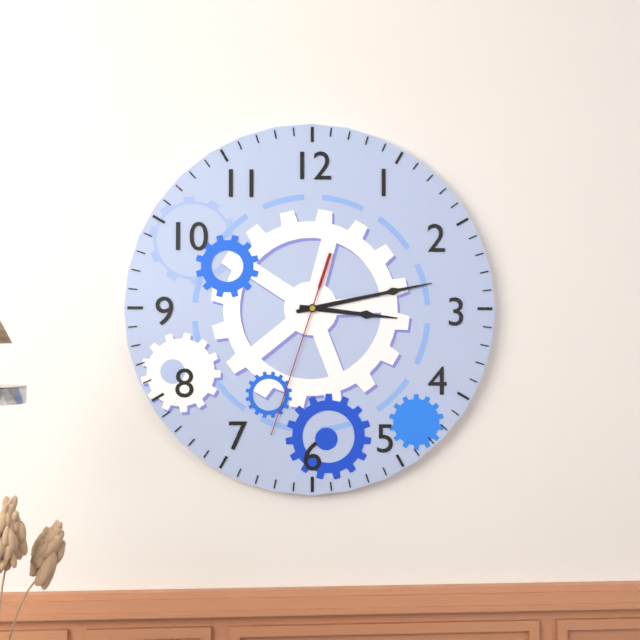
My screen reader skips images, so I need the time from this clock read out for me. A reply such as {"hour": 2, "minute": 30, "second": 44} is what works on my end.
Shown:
{"hour": 3, "minute": 13, "second": 33}
